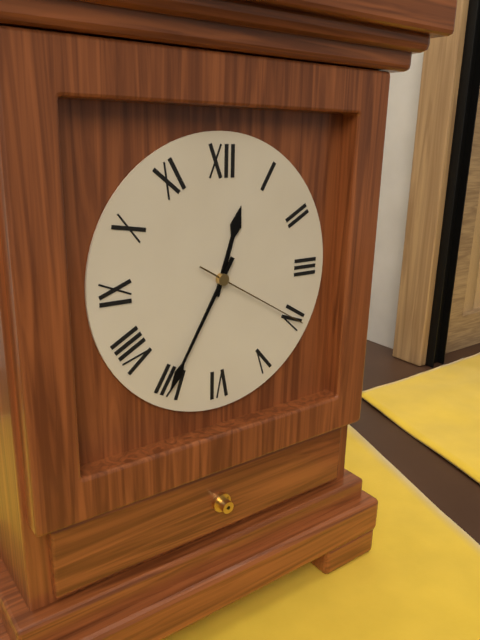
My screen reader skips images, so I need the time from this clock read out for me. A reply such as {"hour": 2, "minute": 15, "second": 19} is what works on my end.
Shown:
{"hour": 12, "minute": 35, "second": 20}
